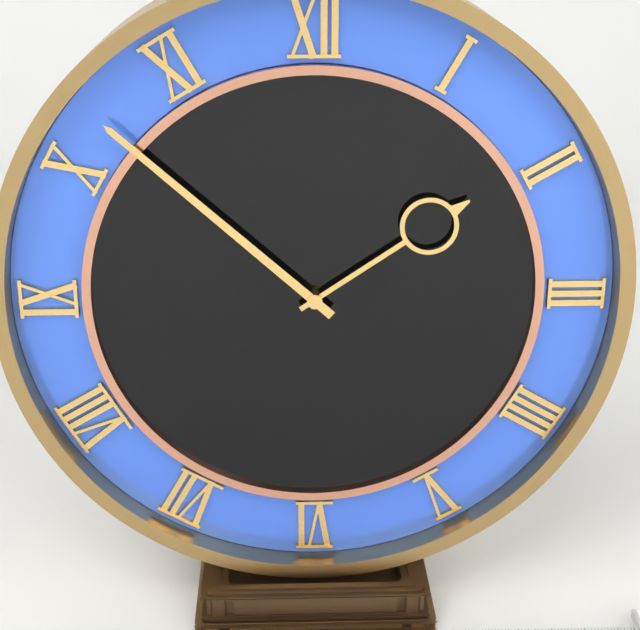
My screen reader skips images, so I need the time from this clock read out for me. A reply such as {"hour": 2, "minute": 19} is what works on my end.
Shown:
{"hour": 1, "minute": 52}
